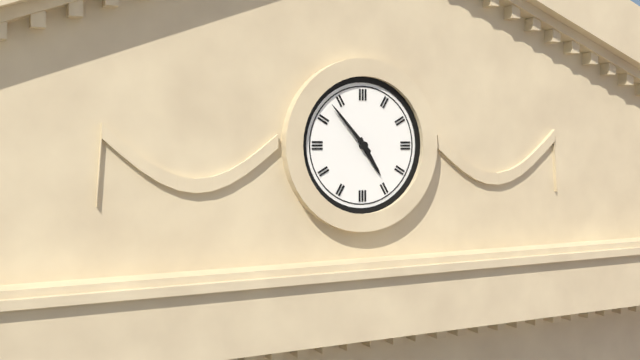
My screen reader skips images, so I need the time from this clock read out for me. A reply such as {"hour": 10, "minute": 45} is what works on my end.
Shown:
{"hour": 4, "minute": 53}
